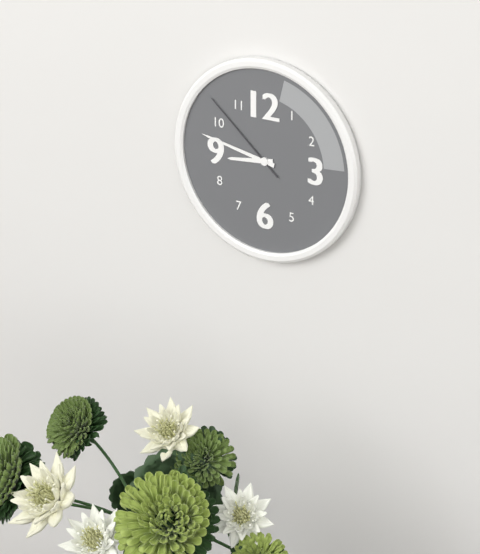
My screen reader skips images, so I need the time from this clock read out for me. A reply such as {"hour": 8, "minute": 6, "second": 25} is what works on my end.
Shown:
{"hour": 8, "minute": 47, "second": 52}
